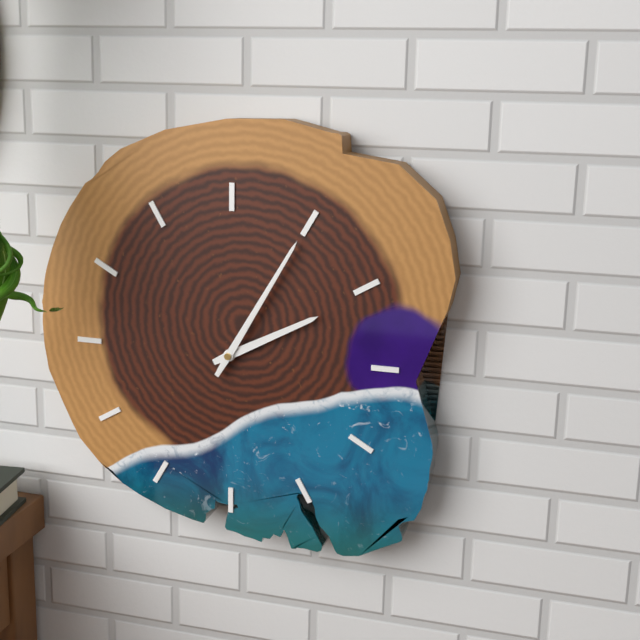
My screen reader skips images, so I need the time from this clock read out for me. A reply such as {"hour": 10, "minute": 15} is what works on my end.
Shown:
{"hour": 2, "minute": 5}
